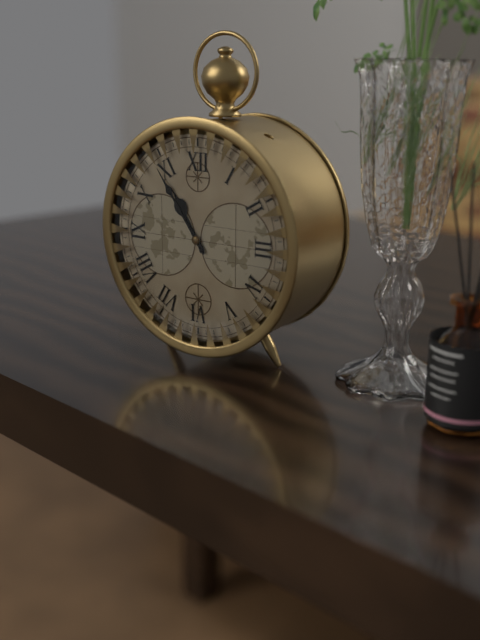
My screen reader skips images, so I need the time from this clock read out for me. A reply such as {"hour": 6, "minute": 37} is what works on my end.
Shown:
{"hour": 10, "minute": 54}
